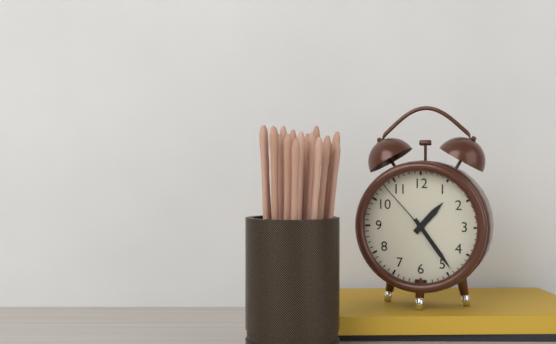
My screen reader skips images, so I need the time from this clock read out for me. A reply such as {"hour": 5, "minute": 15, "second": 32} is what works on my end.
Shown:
{"hour": 1, "minute": 24, "second": 53}
